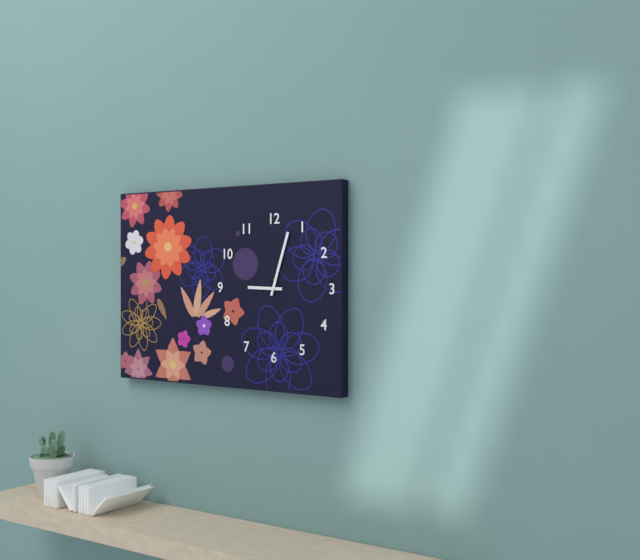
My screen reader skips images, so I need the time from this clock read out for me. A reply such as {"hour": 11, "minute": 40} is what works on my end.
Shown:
{"hour": 9, "minute": 3}
